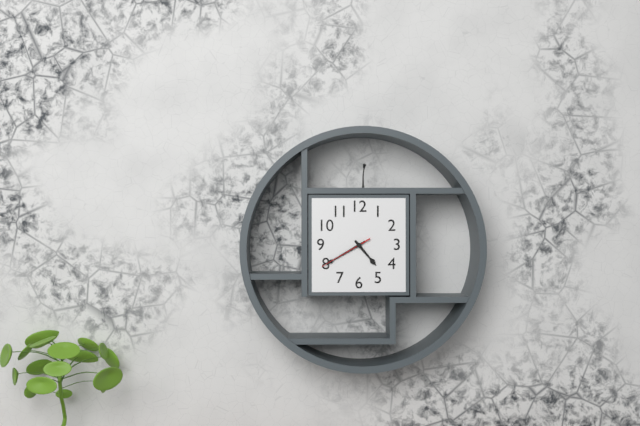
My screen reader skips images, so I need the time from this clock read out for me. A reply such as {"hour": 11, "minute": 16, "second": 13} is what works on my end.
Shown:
{"hour": 4, "minute": 40, "second": 40}
